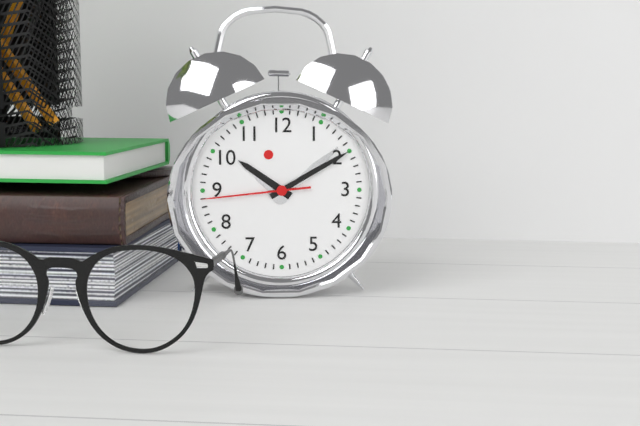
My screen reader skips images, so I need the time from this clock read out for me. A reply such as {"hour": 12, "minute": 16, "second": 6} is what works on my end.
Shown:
{"hour": 10, "minute": 10, "second": 44}
